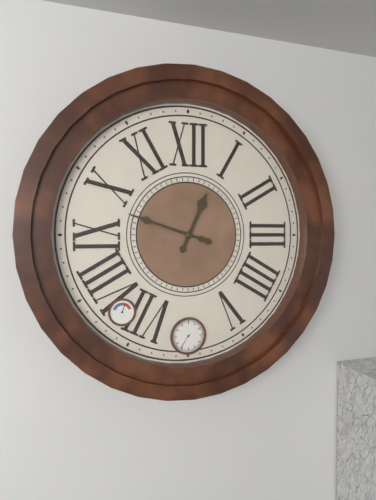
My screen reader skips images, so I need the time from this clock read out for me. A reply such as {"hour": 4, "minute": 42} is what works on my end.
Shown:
{"hour": 12, "minute": 48}
